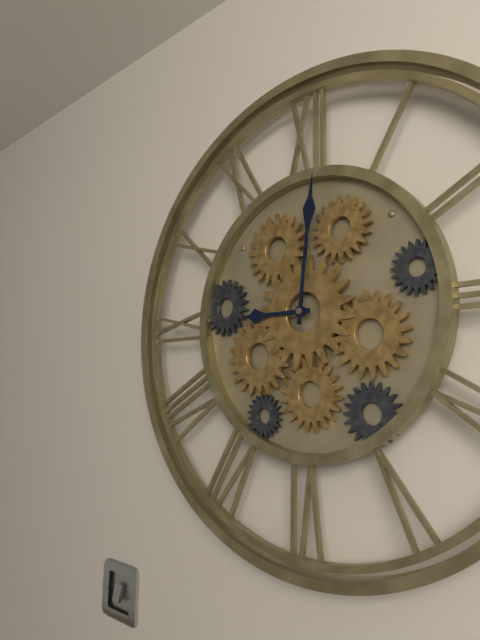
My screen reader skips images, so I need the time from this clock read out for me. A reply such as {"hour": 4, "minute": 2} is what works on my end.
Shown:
{"hour": 9, "minute": 1}
